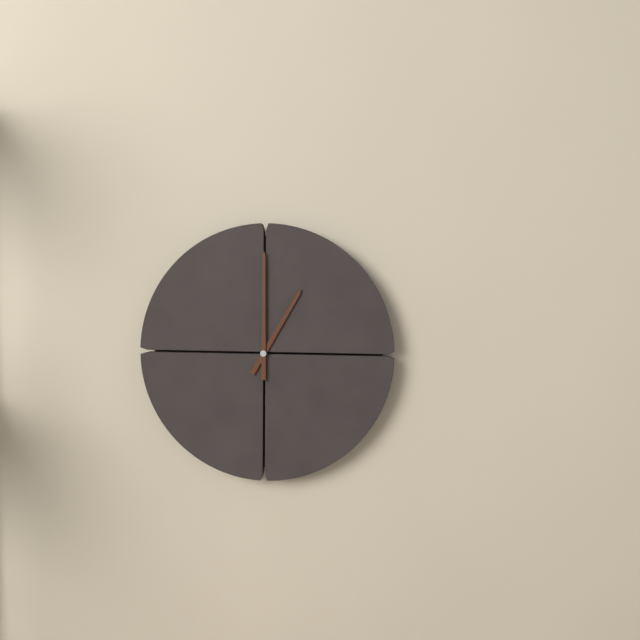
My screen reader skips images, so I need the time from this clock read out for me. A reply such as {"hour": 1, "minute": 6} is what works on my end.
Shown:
{"hour": 1, "minute": 0}
